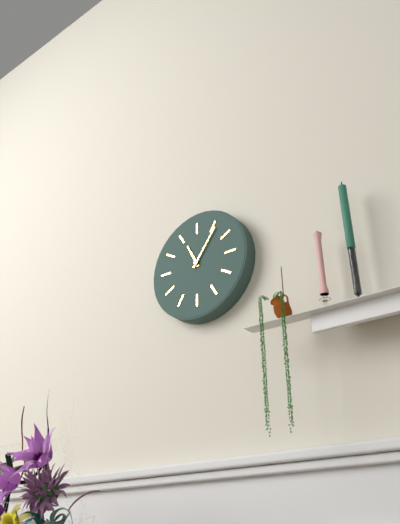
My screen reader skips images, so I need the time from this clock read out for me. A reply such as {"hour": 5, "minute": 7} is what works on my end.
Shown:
{"hour": 11, "minute": 6}
